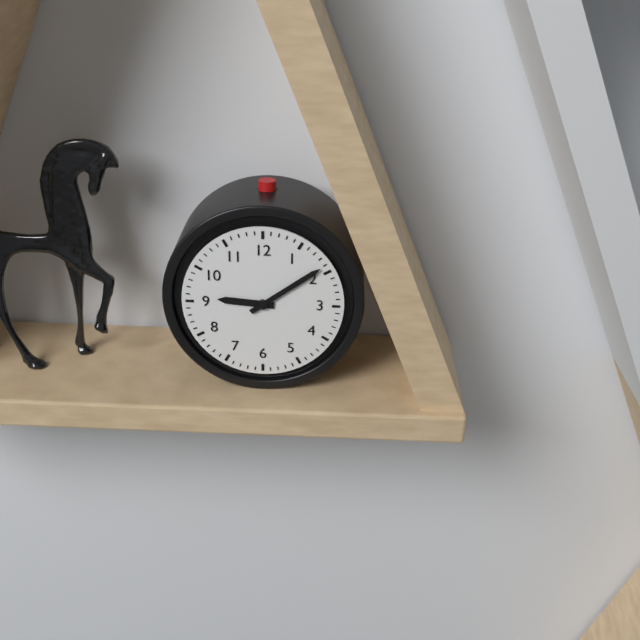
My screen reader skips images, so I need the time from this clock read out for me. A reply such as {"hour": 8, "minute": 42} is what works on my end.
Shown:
{"hour": 9, "minute": 9}
